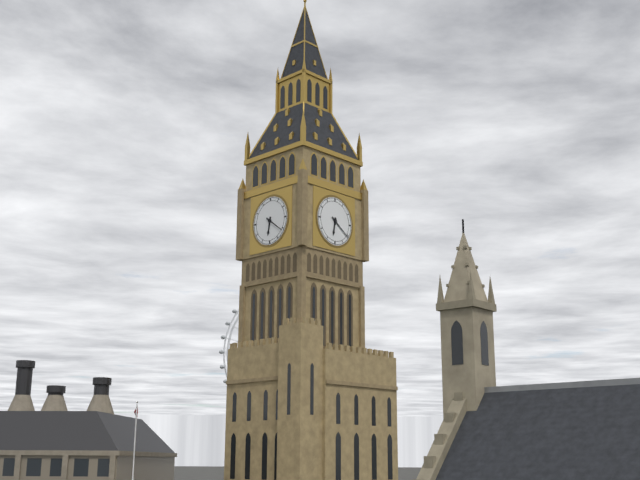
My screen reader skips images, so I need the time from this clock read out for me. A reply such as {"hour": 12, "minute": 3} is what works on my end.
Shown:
{"hour": 6, "minute": 21}
